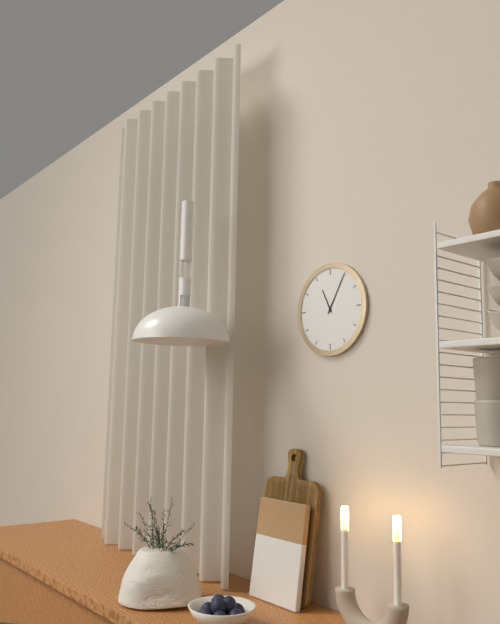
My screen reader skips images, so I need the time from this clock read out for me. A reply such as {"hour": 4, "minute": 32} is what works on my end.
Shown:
{"hour": 11, "minute": 5}
